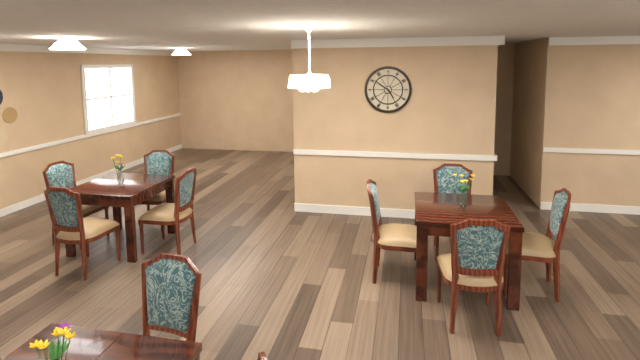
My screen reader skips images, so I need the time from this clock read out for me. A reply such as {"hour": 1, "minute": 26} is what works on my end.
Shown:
{"hour": 4, "minute": 51}
